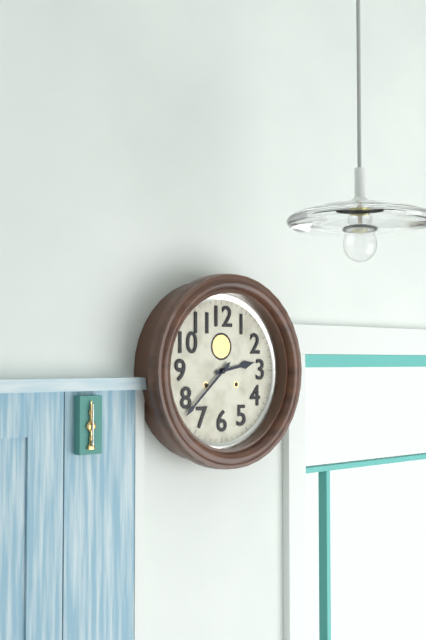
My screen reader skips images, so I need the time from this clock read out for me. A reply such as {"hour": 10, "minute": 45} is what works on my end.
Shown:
{"hour": 2, "minute": 38}
